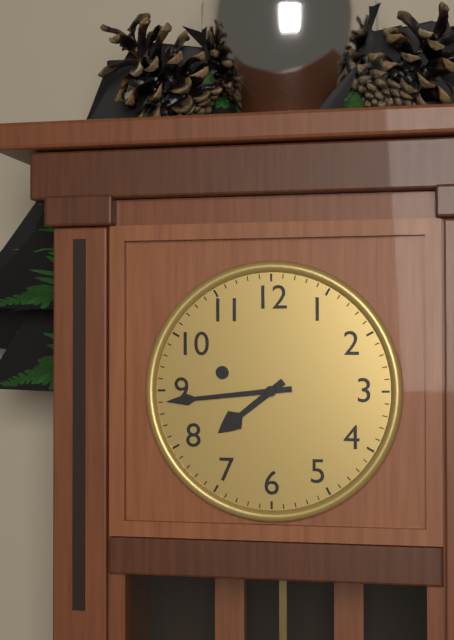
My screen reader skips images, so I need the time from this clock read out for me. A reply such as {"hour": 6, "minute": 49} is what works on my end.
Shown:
{"hour": 7, "minute": 44}
